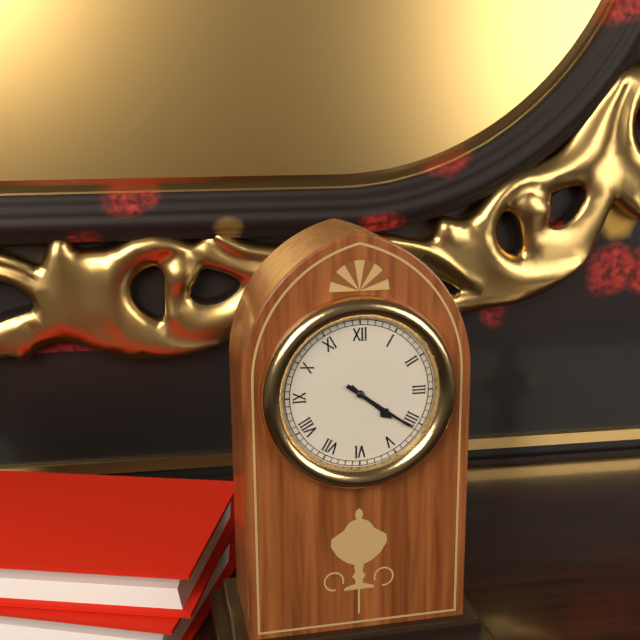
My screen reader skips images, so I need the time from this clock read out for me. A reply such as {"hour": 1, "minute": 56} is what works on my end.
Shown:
{"hour": 4, "minute": 21}
